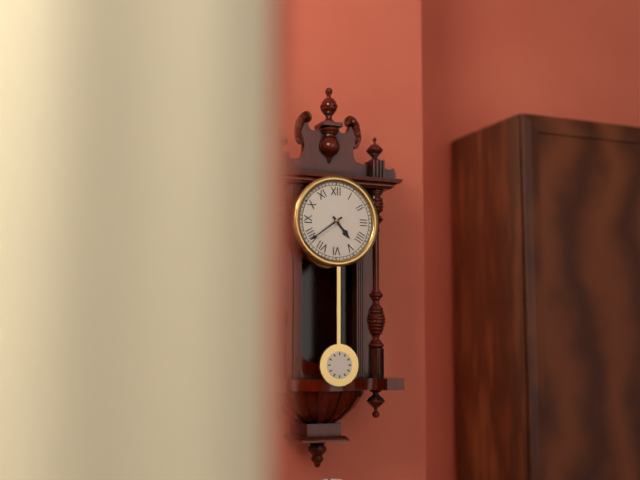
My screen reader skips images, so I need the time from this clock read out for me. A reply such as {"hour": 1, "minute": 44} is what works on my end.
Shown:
{"hour": 4, "minute": 39}
